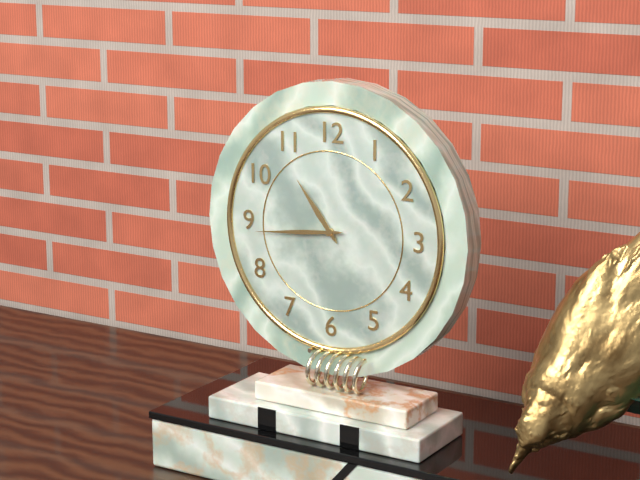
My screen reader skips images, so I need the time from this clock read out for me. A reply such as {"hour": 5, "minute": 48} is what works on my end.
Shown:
{"hour": 10, "minute": 44}
